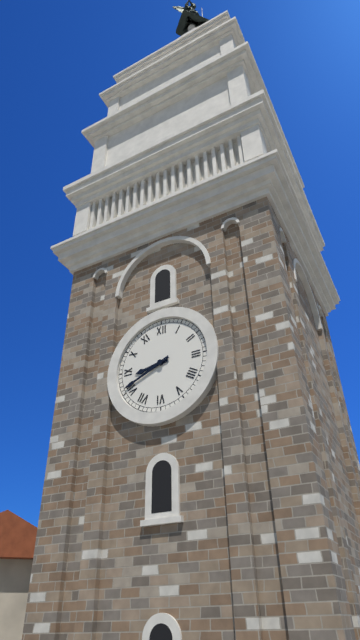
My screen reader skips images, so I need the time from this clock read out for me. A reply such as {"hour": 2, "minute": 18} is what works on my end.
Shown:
{"hour": 8, "minute": 41}
